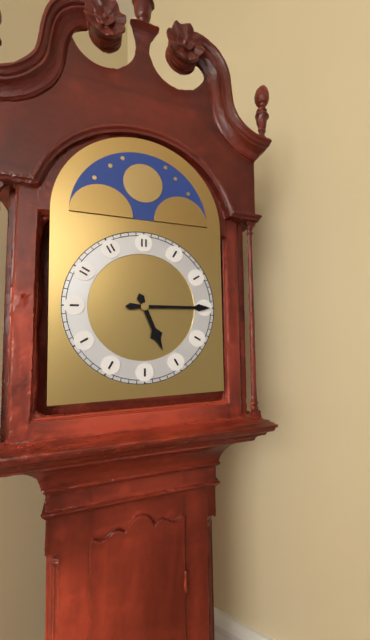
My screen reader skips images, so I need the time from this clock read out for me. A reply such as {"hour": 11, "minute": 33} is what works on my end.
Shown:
{"hour": 5, "minute": 15}
